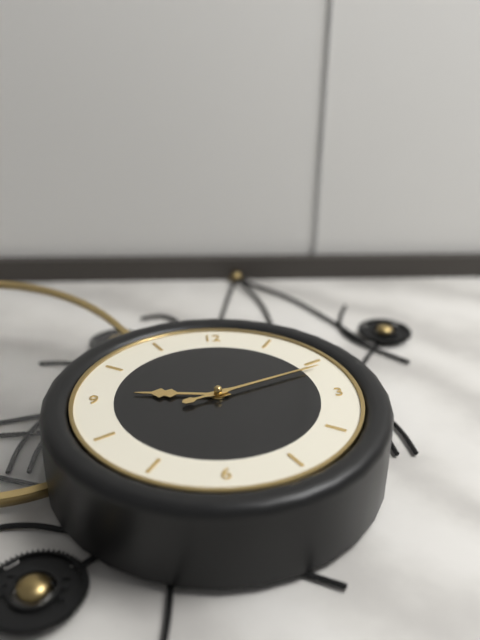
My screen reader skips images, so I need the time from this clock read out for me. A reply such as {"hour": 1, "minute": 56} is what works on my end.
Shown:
{"hour": 9, "minute": 11}
